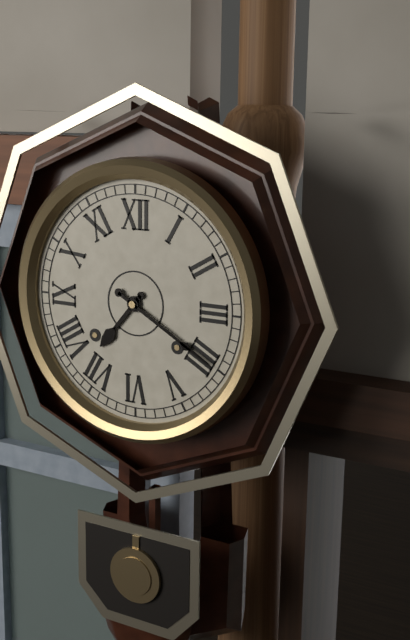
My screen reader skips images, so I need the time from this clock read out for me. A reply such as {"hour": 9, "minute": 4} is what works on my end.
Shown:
{"hour": 7, "minute": 20}
